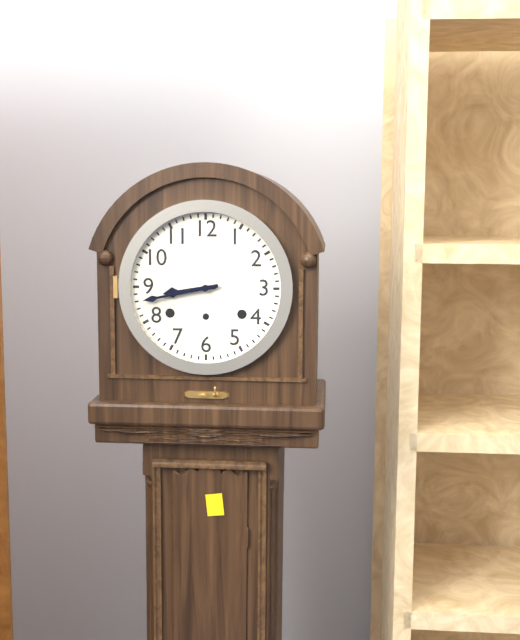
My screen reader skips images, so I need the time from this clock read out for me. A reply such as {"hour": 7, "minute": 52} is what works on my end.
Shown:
{"hour": 8, "minute": 43}
